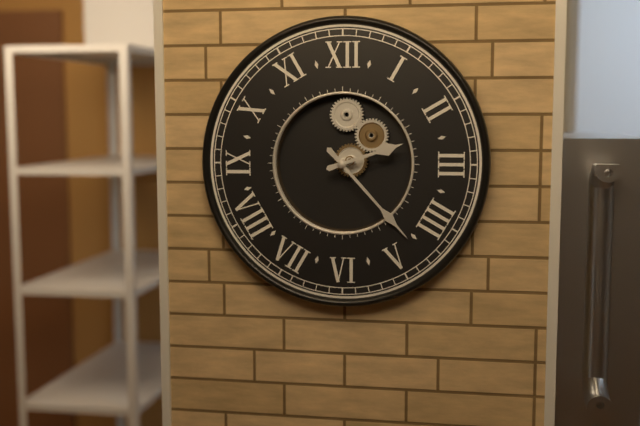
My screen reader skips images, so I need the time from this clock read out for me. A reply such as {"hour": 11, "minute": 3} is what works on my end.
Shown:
{"hour": 2, "minute": 23}
